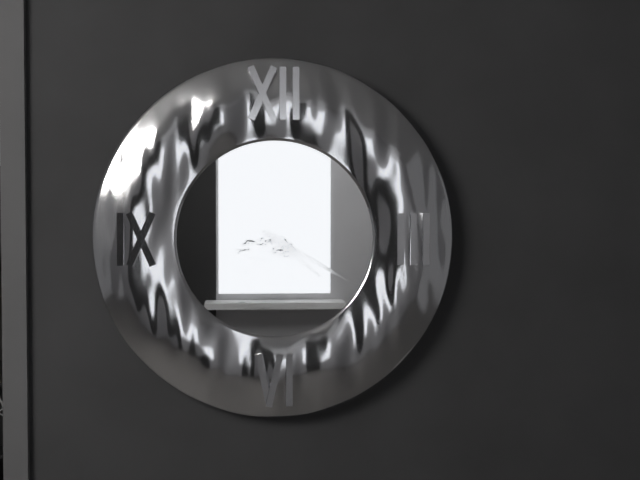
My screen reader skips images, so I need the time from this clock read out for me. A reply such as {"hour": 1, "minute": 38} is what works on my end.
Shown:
{"hour": 4, "minute": 20}
